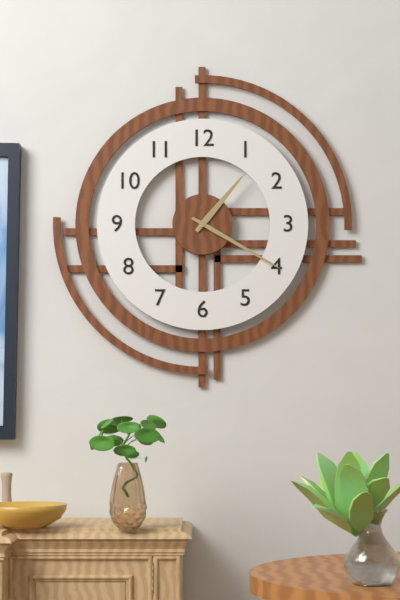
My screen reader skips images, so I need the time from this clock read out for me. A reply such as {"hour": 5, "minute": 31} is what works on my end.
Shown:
{"hour": 1, "minute": 20}
